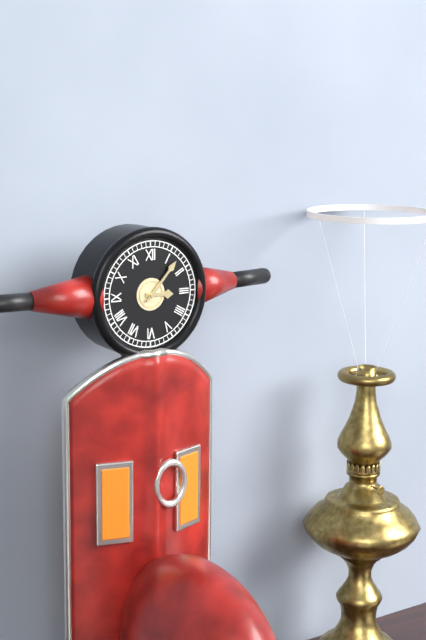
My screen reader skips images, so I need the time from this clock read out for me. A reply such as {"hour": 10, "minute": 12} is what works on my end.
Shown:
{"hour": 3, "minute": 7}
